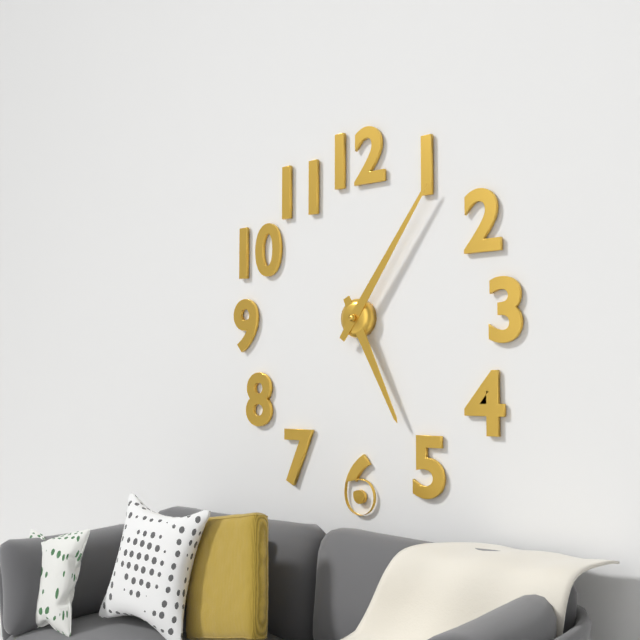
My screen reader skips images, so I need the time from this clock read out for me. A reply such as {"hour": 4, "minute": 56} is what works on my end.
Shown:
{"hour": 5, "minute": 6}
